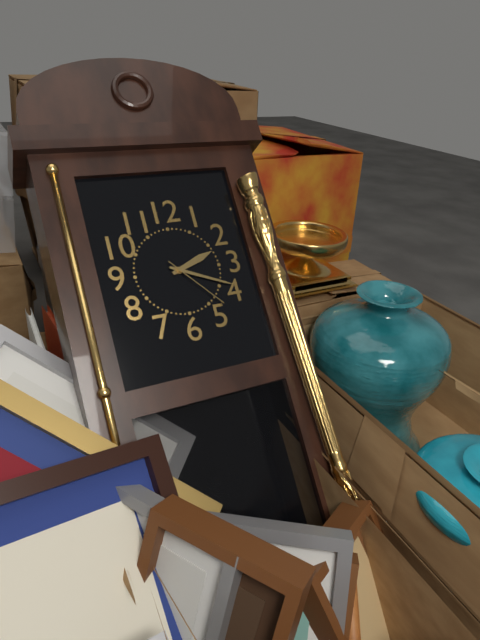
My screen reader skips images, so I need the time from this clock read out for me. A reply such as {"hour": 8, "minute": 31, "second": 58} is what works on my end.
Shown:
{"hour": 2, "minute": 19, "second": 23}
